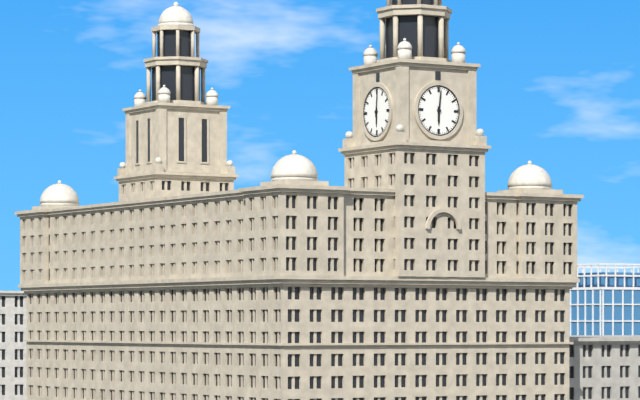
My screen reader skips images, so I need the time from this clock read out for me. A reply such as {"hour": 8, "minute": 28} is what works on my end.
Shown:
{"hour": 6, "minute": 1}
